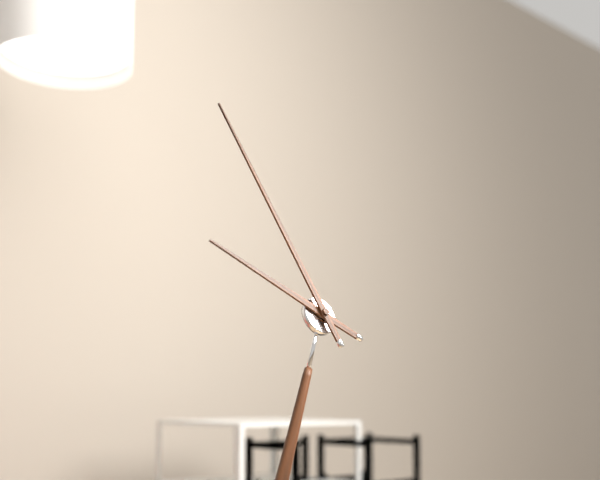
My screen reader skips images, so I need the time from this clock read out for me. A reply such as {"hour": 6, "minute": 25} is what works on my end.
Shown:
{"hour": 9, "minute": 57}
